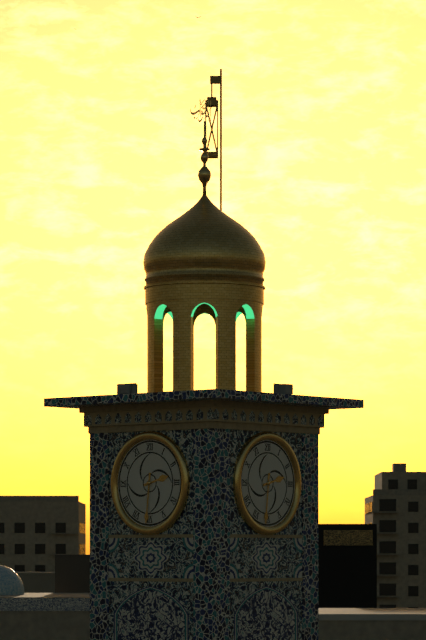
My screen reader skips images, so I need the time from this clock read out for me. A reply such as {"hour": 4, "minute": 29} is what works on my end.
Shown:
{"hour": 2, "minute": 31}
